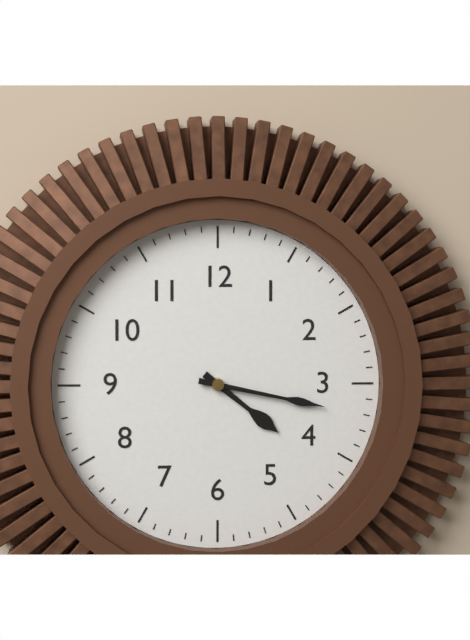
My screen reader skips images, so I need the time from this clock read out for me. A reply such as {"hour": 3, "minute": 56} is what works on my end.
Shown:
{"hour": 4, "minute": 17}
